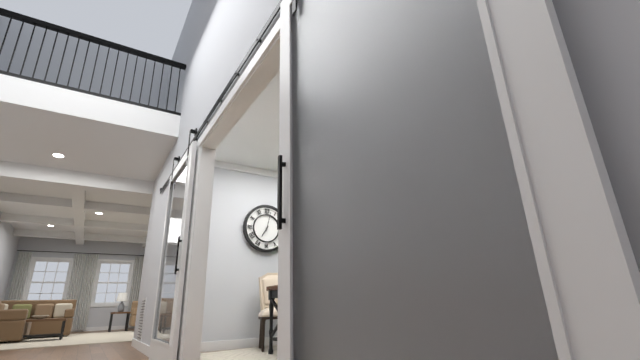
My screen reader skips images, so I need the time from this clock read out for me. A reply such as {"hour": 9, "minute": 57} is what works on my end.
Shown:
{"hour": 7, "minute": 2}
